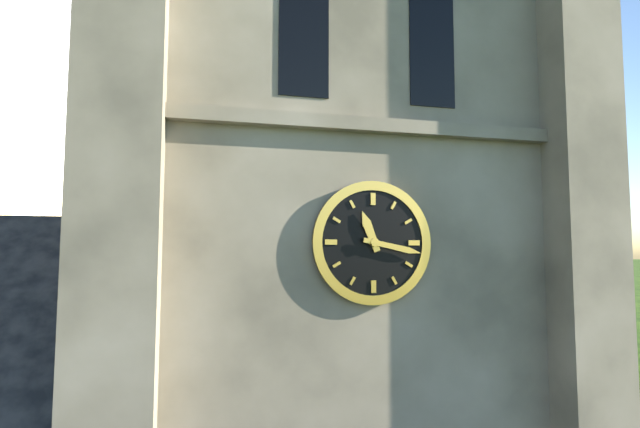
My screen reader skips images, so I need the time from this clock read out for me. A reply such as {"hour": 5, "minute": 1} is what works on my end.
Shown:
{"hour": 11, "minute": 17}
